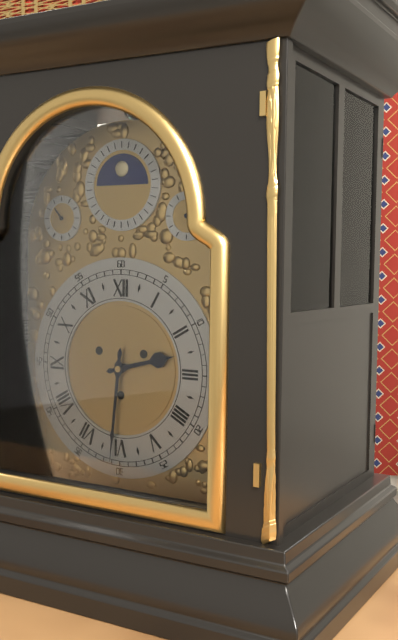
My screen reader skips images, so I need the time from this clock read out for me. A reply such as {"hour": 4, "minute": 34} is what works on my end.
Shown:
{"hour": 2, "minute": 31}
